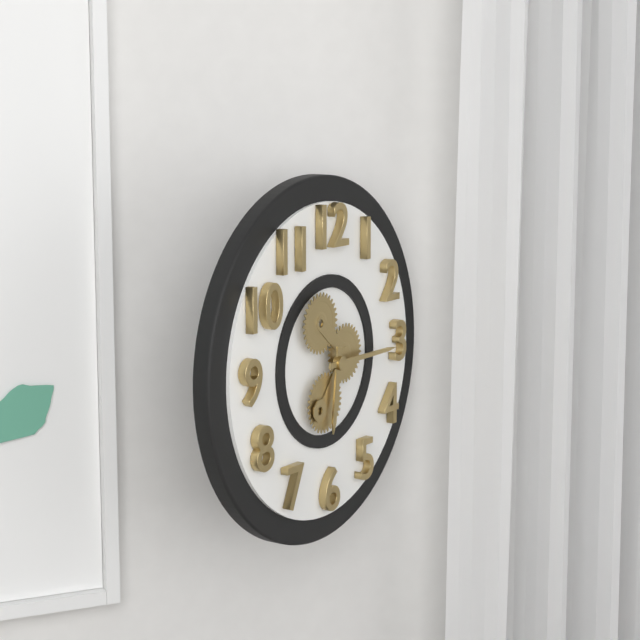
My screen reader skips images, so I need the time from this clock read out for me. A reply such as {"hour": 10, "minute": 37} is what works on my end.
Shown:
{"hour": 6, "minute": 15}
